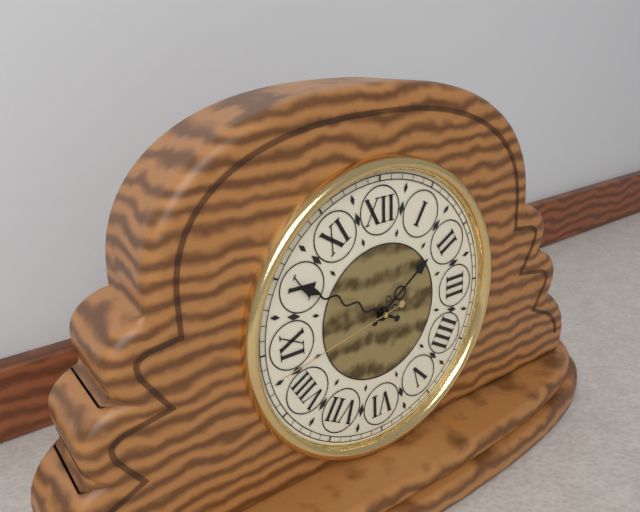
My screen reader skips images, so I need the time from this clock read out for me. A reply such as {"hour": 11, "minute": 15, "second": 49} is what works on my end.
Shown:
{"hour": 1, "minute": 50, "second": 43}
